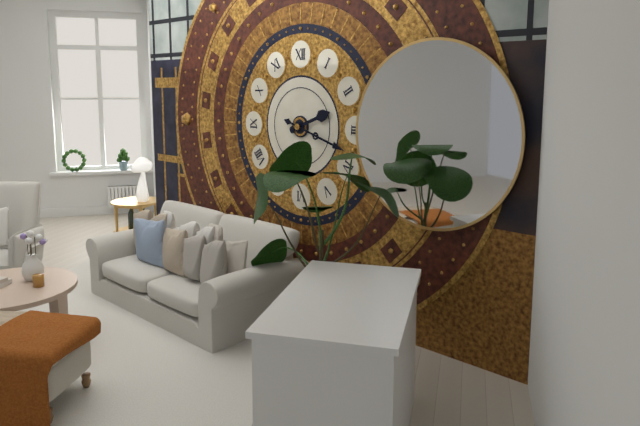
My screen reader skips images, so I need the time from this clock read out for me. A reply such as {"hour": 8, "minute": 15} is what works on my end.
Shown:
{"hour": 2, "minute": 18}
